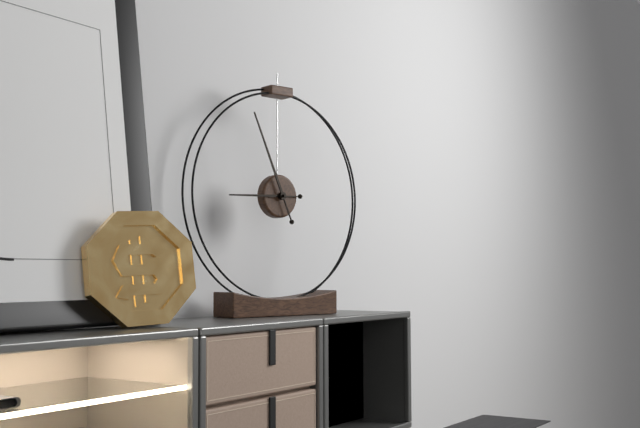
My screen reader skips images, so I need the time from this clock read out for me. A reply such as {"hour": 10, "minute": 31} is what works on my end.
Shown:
{"hour": 8, "minute": 56}
